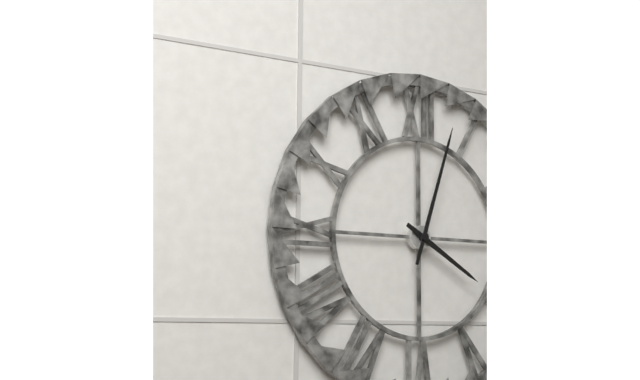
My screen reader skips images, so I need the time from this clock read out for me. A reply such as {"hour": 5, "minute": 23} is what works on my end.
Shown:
{"hour": 4, "minute": 3}
